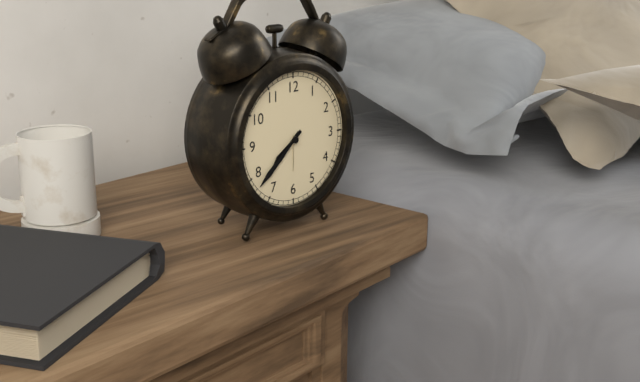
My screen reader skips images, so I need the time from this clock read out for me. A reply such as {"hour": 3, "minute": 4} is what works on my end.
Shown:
{"hour": 7, "minute": 38}
